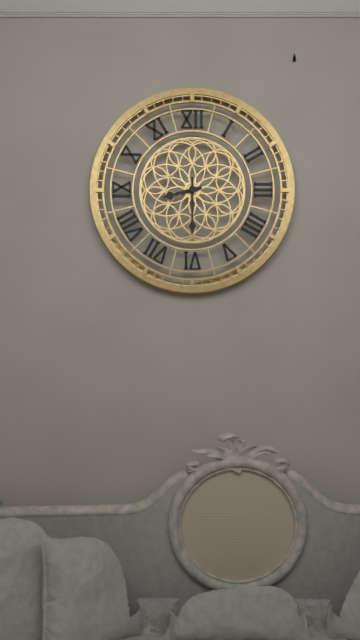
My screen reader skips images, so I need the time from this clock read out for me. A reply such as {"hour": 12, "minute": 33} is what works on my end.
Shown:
{"hour": 8, "minute": 30}
